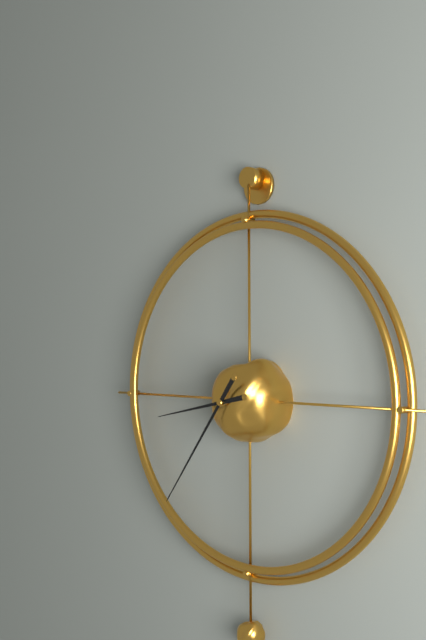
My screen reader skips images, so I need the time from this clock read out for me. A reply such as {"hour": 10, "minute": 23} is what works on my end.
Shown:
{"hour": 8, "minute": 36}
